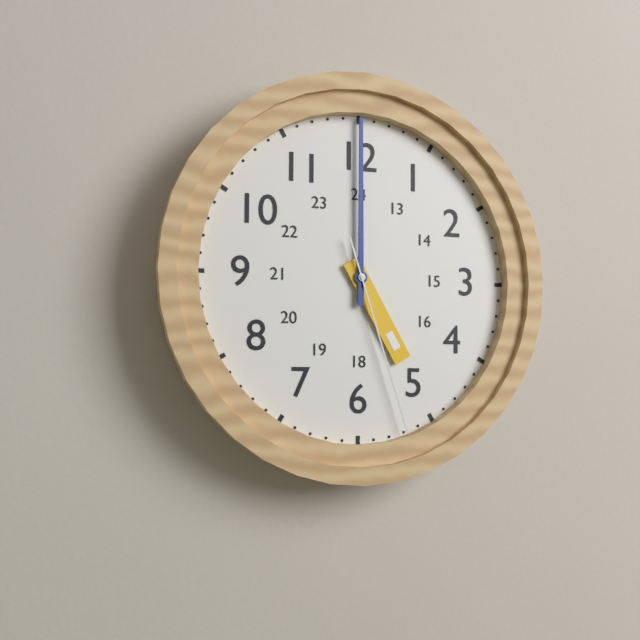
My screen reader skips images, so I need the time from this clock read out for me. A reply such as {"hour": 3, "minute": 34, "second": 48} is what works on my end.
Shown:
{"hour": 5, "minute": 0, "second": 27}
